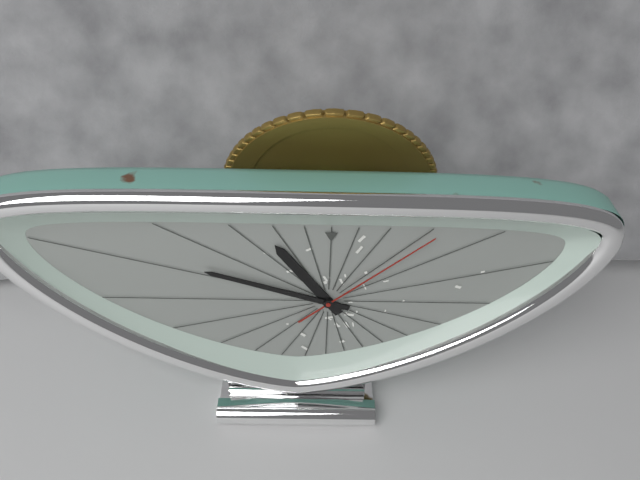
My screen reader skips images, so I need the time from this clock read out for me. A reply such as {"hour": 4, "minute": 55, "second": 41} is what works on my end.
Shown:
{"hour": 10, "minute": 48, "second": 8}
